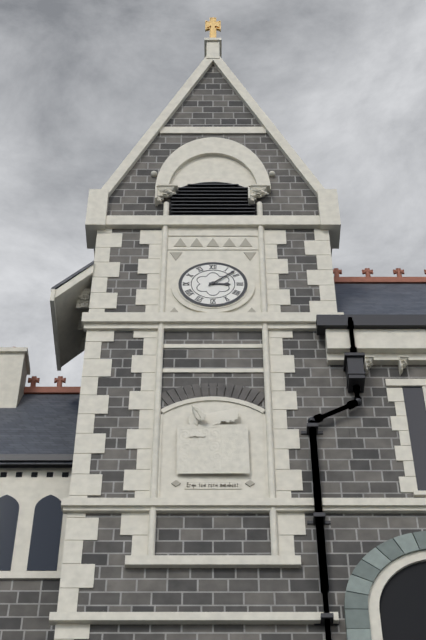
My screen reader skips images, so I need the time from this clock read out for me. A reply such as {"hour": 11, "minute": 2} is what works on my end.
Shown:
{"hour": 3, "minute": 8}
